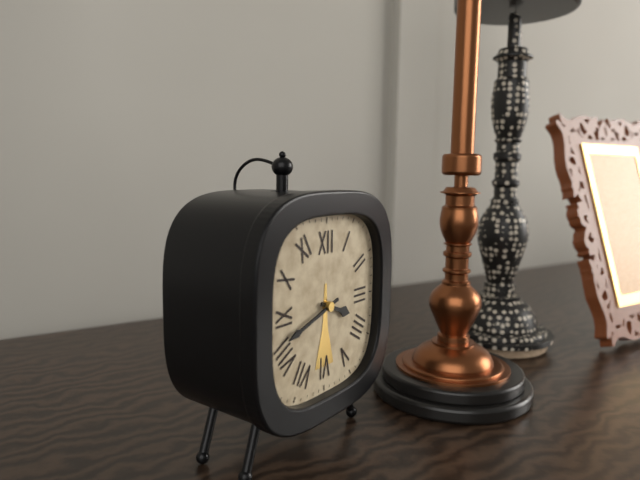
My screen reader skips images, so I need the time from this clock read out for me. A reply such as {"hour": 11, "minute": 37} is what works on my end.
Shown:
{"hour": 3, "minute": 42}
